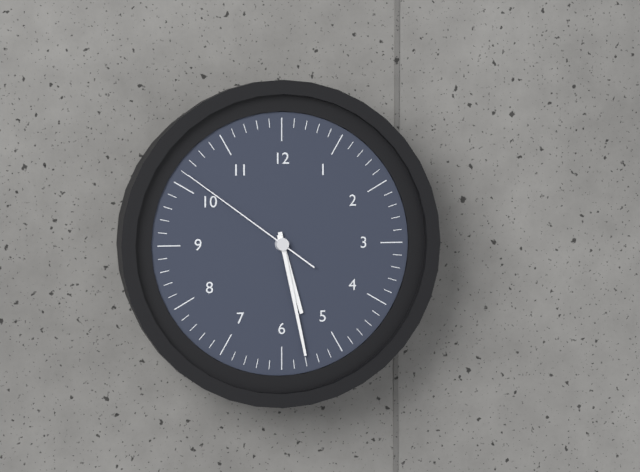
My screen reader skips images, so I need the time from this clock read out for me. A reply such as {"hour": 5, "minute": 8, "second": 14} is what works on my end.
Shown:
{"hour": 5, "minute": 28, "second": 51}
